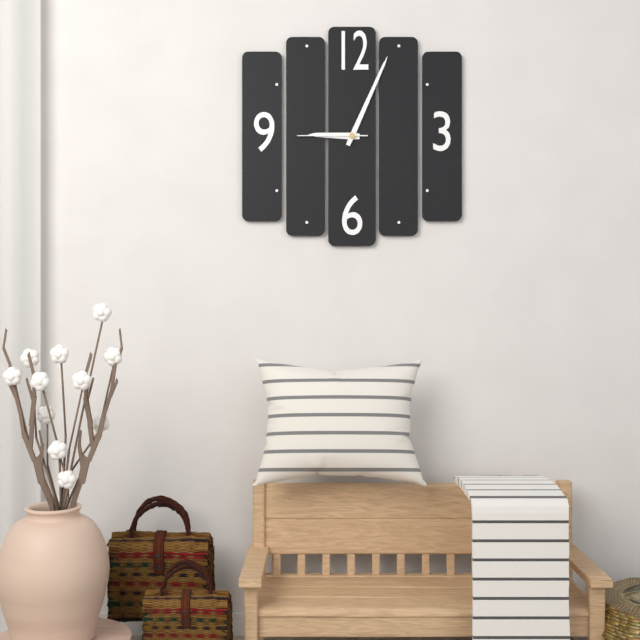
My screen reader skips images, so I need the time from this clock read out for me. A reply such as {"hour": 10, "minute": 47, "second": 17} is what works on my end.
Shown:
{"hour": 9, "minute": 4, "second": 45}
